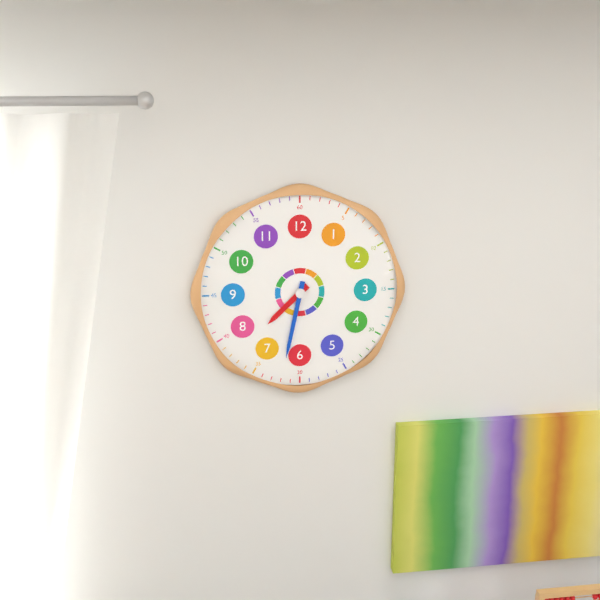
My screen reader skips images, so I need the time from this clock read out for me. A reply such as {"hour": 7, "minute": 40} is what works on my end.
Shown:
{"hour": 7, "minute": 32}
